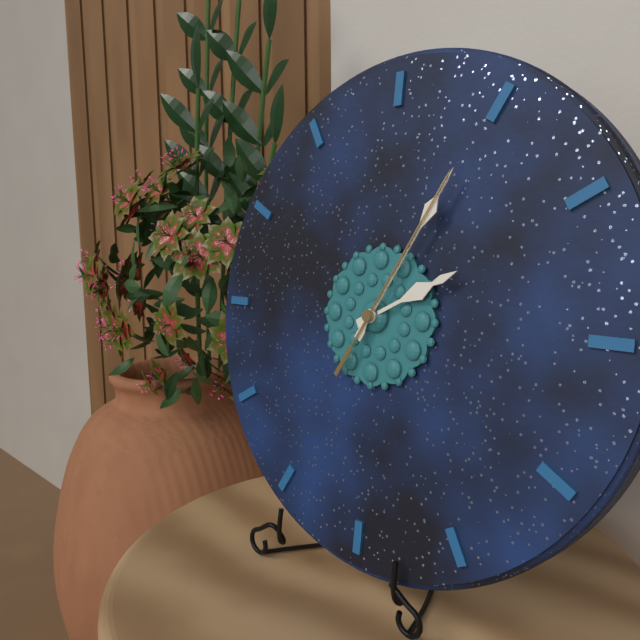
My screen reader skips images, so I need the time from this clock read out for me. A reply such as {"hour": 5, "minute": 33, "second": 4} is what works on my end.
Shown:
{"hour": 2, "minute": 5, "second": 5}
